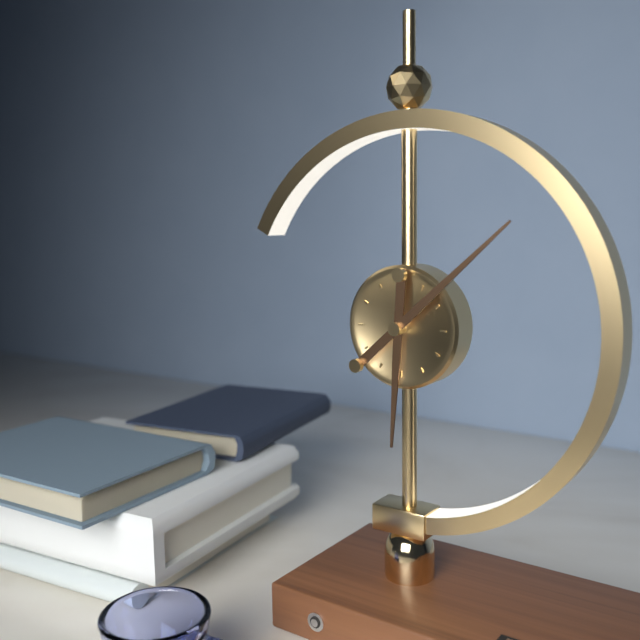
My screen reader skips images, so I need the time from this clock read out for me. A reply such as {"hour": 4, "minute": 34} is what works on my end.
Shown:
{"hour": 6, "minute": 8}
